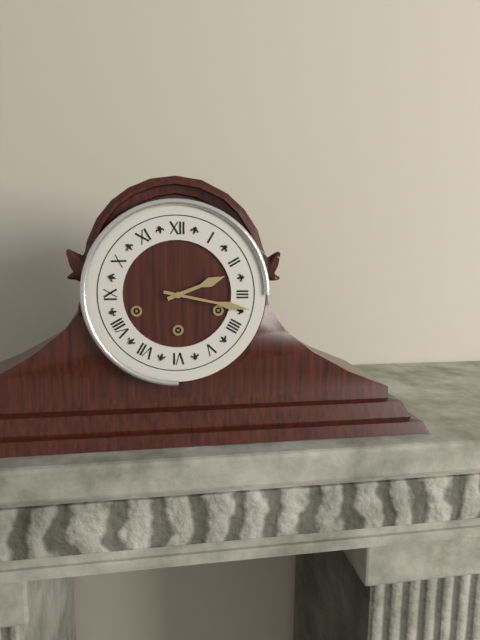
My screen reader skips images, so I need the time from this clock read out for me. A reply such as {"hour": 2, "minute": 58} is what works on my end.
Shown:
{"hour": 2, "minute": 17}
